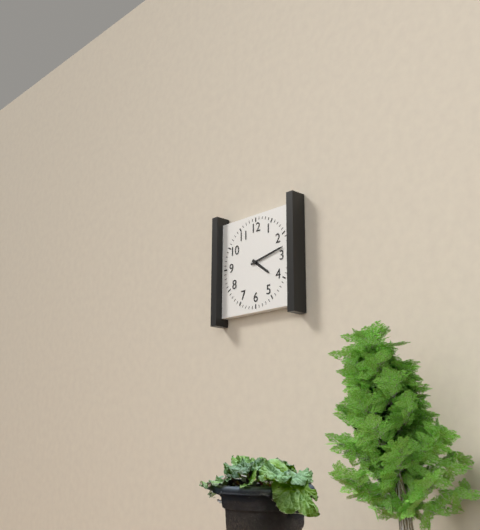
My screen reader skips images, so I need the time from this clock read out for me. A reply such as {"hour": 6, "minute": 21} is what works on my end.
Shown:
{"hour": 4, "minute": 13}
